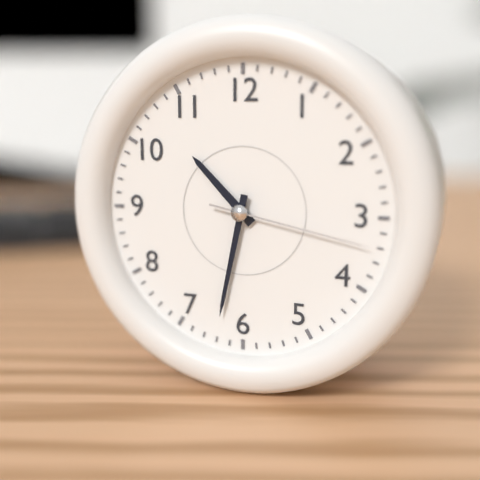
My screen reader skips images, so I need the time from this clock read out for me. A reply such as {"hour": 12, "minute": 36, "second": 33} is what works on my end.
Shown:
{"hour": 10, "minute": 32, "second": 17}
